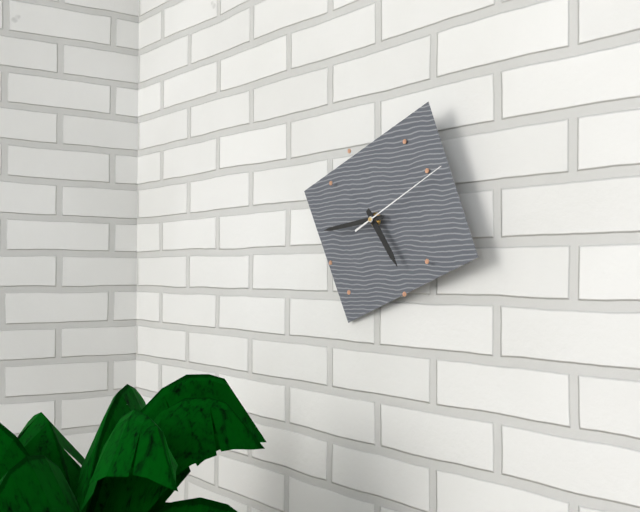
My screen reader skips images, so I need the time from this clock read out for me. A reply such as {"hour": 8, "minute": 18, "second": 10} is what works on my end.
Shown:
{"hour": 4, "minute": 44, "second": 11}
